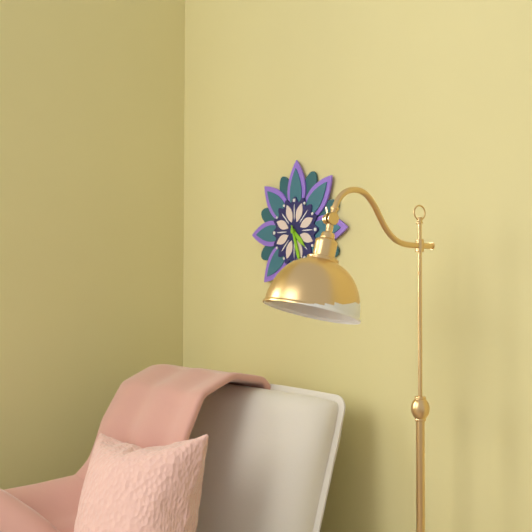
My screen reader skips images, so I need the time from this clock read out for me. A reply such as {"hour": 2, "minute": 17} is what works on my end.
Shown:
{"hour": 4, "minute": 27}
